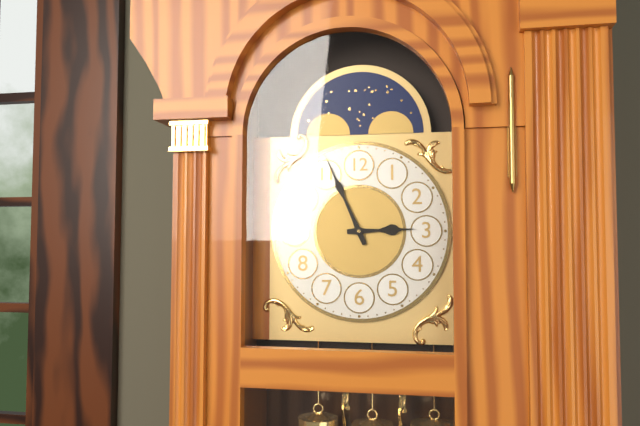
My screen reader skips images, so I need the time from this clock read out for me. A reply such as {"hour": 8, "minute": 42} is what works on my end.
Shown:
{"hour": 2, "minute": 56}
